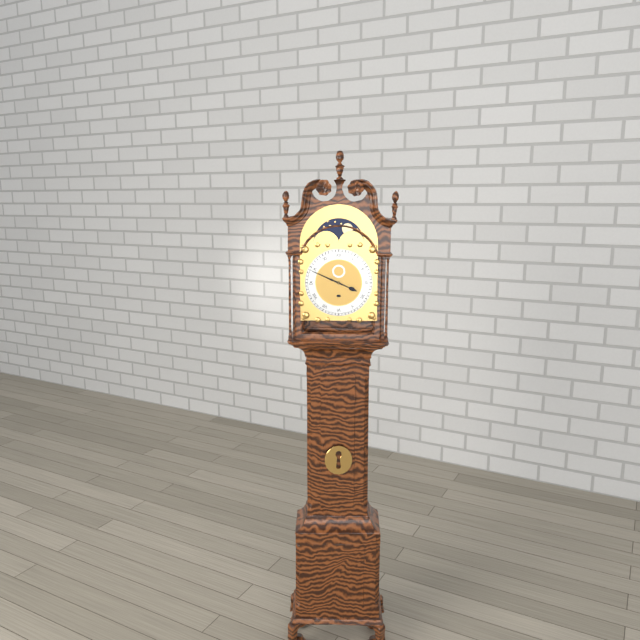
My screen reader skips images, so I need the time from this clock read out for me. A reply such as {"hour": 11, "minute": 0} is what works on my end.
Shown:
{"hour": 3, "minute": 49}
